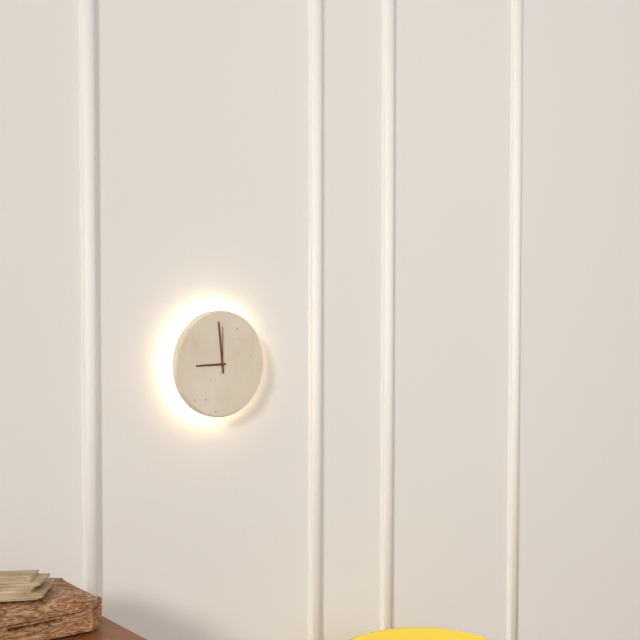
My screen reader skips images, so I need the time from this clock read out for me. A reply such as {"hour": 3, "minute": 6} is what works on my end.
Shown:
{"hour": 8, "minute": 59}
